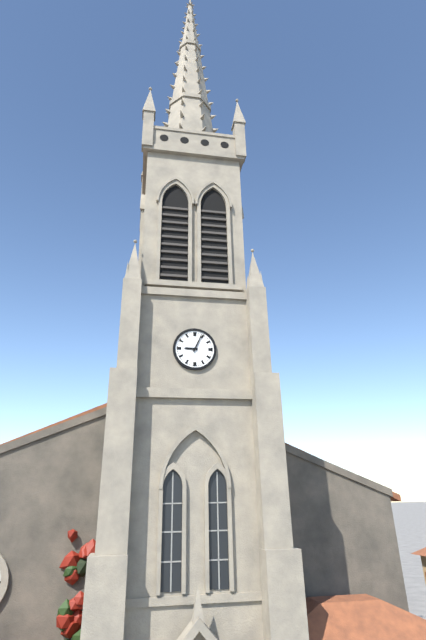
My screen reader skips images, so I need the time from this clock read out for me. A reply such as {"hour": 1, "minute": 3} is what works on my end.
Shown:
{"hour": 9, "minute": 4}
